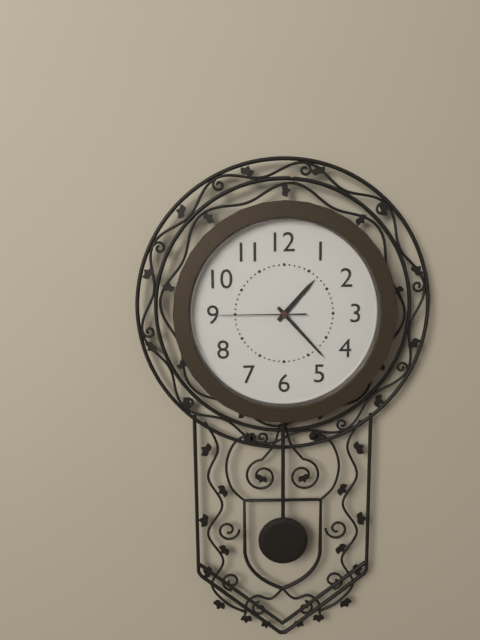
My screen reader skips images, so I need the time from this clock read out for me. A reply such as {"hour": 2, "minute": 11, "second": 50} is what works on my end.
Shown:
{"hour": 1, "minute": 23, "second": 45}
